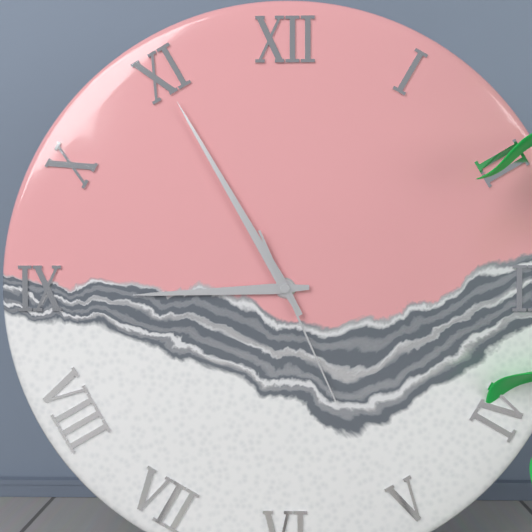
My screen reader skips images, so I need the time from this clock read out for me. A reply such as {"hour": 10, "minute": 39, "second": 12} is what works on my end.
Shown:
{"hour": 8, "minute": 55, "second": 26}
